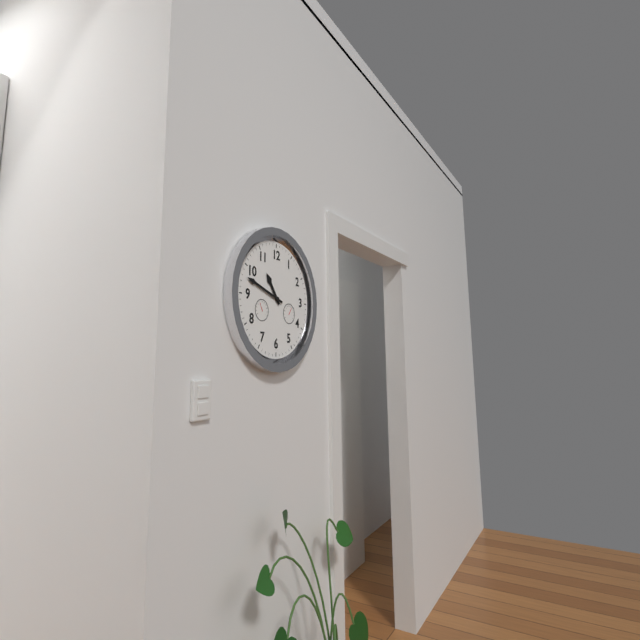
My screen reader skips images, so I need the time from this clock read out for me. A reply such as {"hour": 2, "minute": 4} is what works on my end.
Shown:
{"hour": 10, "minute": 48}
